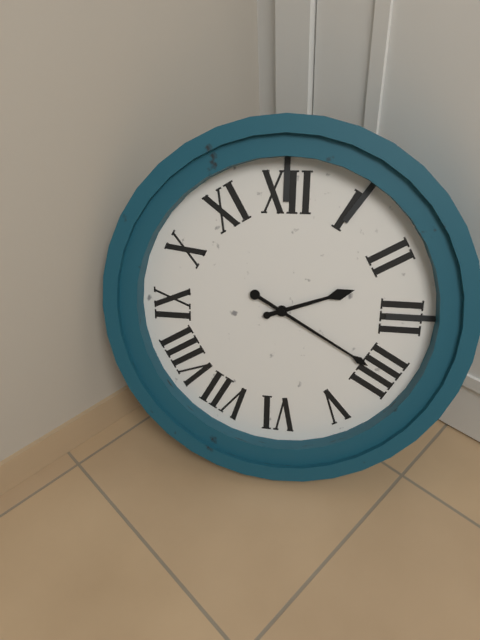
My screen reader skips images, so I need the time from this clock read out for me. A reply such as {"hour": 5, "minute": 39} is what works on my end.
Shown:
{"hour": 2, "minute": 20}
